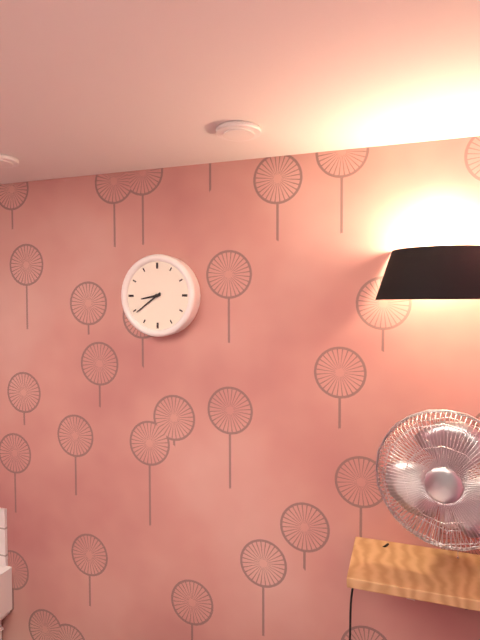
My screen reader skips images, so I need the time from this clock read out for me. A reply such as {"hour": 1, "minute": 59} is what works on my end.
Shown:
{"hour": 8, "minute": 39}
